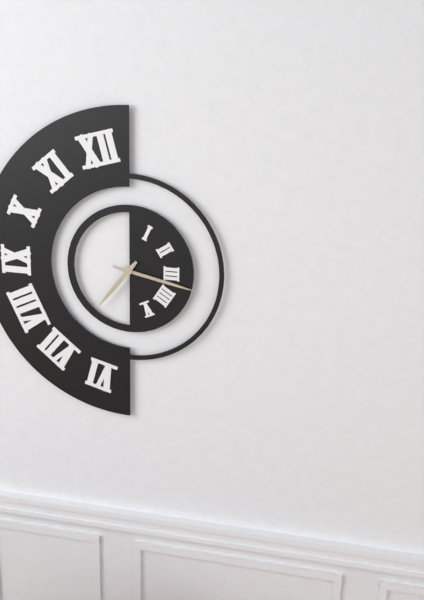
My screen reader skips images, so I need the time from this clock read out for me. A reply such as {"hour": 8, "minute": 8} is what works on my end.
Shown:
{"hour": 7, "minute": 17}
